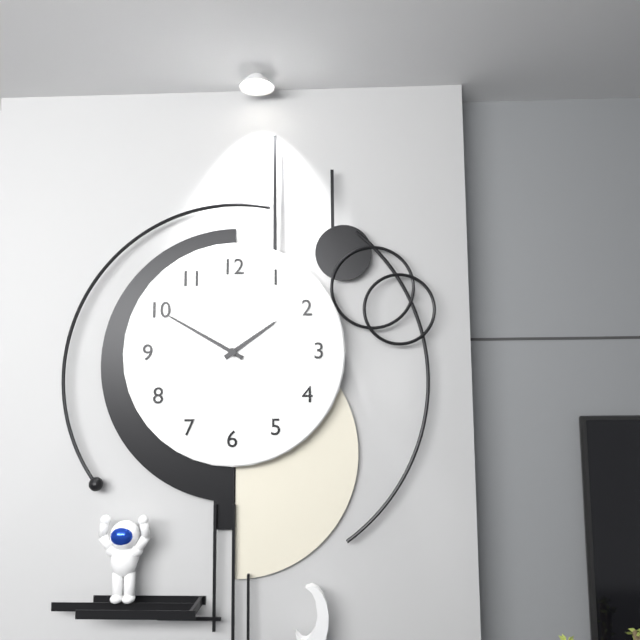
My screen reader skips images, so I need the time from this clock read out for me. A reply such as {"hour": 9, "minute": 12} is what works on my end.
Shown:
{"hour": 1, "minute": 50}
